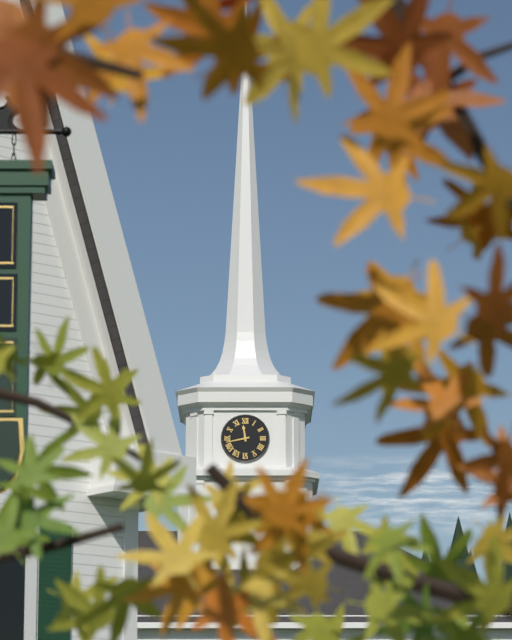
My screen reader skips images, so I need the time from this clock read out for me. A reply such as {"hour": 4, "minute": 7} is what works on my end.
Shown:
{"hour": 11, "minute": 43}
